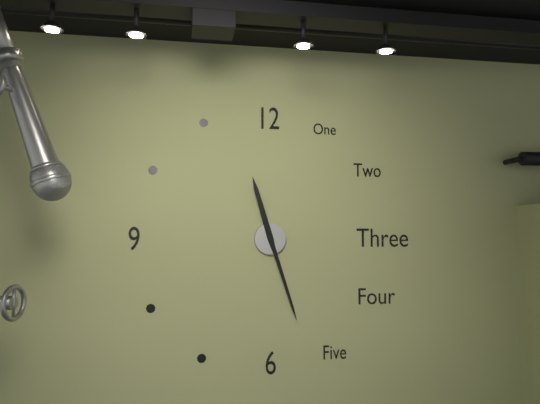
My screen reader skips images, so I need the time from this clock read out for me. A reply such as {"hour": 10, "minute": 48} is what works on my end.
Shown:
{"hour": 11, "minute": 27}
